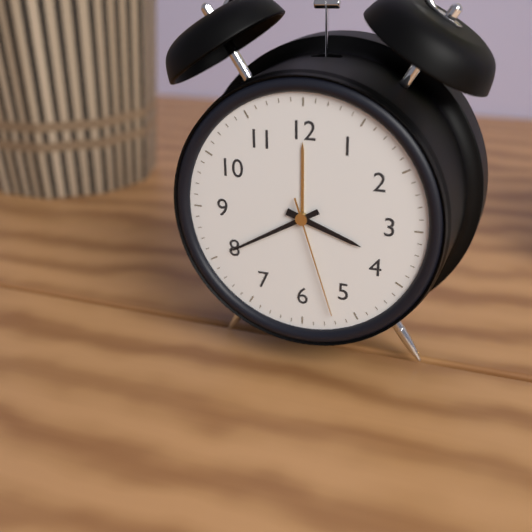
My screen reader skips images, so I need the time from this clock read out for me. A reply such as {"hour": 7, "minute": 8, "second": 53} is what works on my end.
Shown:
{"hour": 3, "minute": 40, "second": 27}
